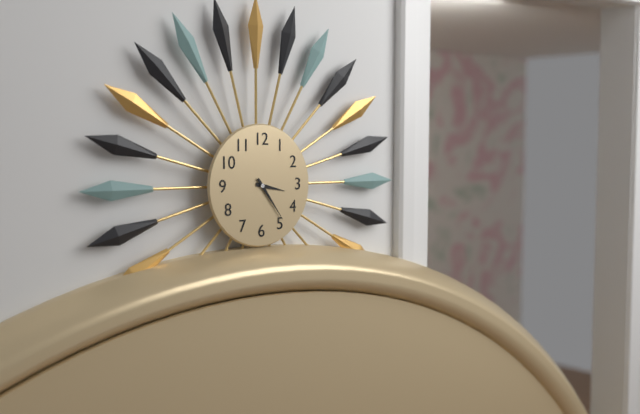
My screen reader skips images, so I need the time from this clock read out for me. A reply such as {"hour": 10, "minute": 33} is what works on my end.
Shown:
{"hour": 3, "minute": 24}
